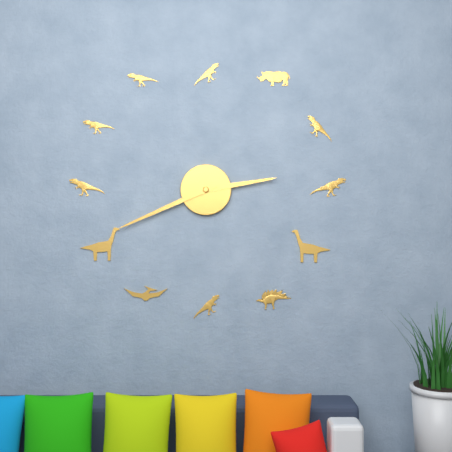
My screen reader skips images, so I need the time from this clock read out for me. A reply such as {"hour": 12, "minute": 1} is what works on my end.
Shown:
{"hour": 2, "minute": 41}
